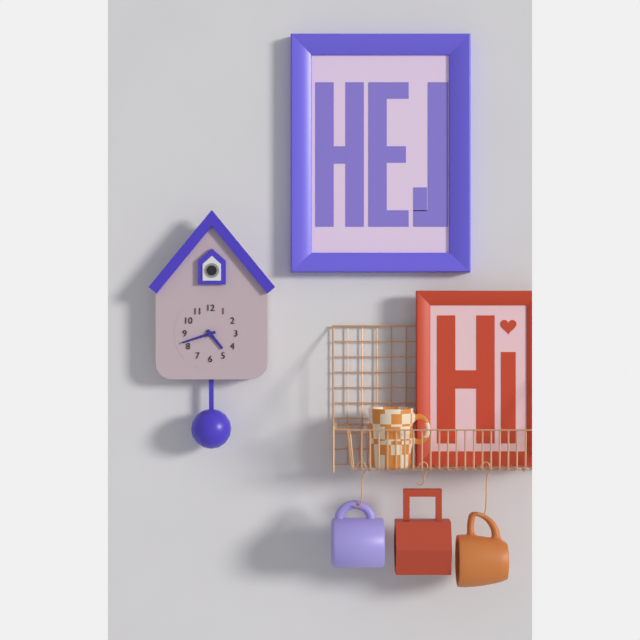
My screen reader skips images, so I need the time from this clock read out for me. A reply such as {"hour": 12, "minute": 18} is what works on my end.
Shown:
{"hour": 4, "minute": 42}
